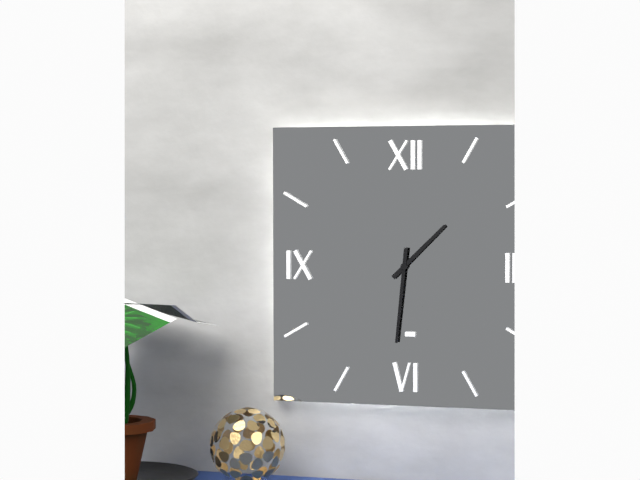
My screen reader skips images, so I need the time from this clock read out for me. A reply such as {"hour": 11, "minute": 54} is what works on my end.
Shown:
{"hour": 1, "minute": 31}
